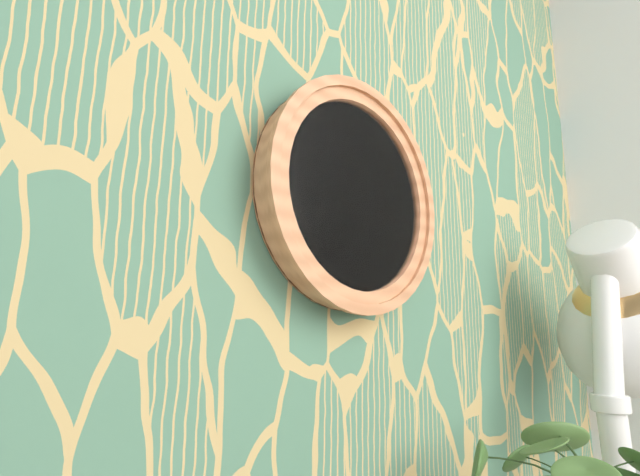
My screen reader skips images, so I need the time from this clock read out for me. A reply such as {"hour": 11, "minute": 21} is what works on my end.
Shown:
{"hour": 7, "minute": 28}
